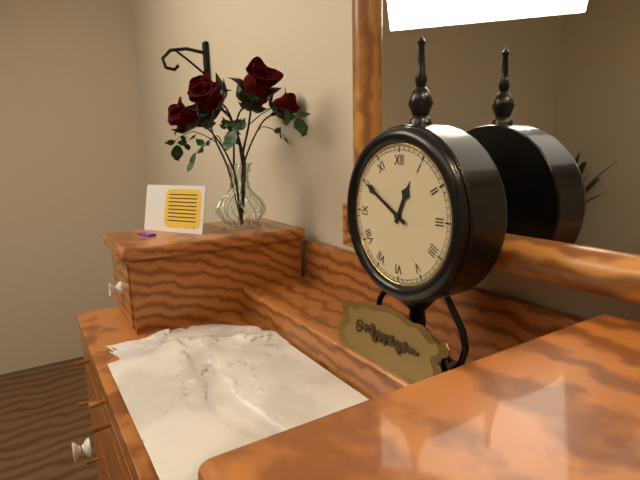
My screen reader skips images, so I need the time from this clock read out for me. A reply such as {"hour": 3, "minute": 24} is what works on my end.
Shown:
{"hour": 12, "minute": 50}
